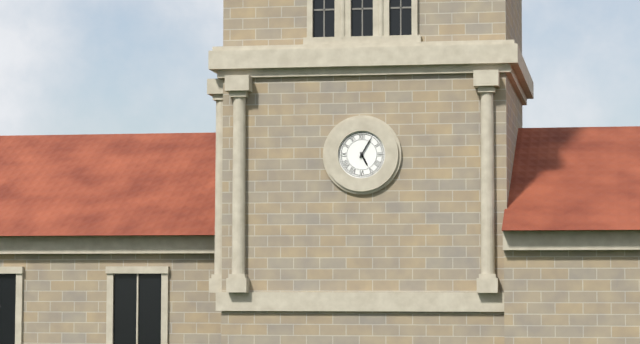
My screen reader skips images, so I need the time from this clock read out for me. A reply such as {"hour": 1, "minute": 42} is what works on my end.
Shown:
{"hour": 5, "minute": 5}
